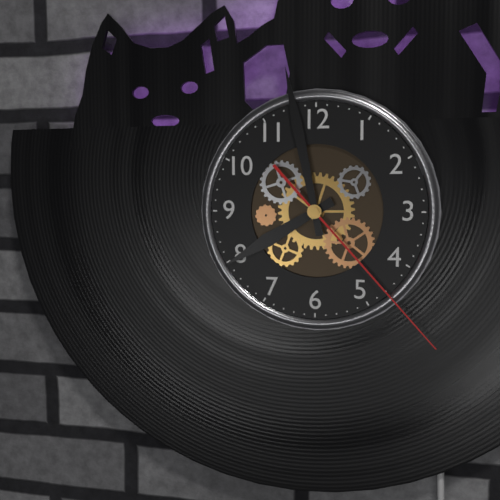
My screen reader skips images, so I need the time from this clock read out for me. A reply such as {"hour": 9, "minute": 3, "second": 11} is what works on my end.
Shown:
{"hour": 7, "minute": 58, "second": 23}
